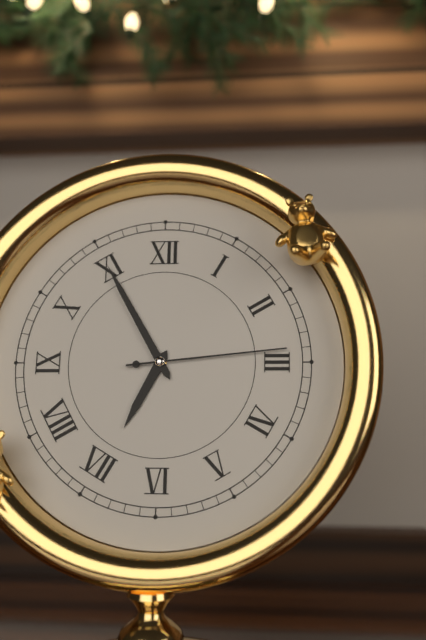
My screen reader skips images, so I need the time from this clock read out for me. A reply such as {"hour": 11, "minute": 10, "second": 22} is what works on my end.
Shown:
{"hour": 6, "minute": 55, "second": 14}
